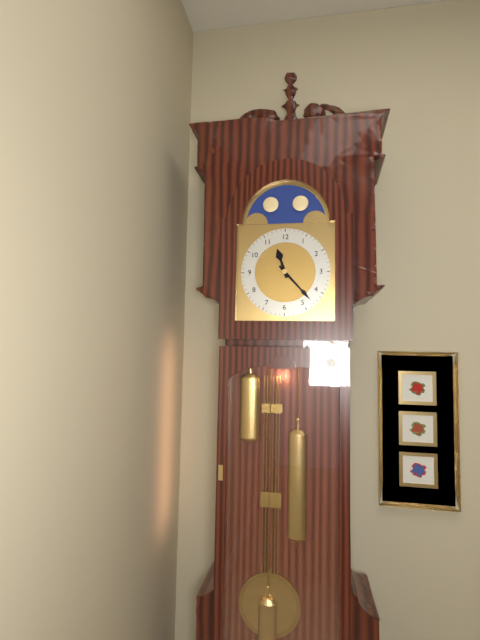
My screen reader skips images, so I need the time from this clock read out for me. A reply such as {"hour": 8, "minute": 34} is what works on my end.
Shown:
{"hour": 11, "minute": 23}
